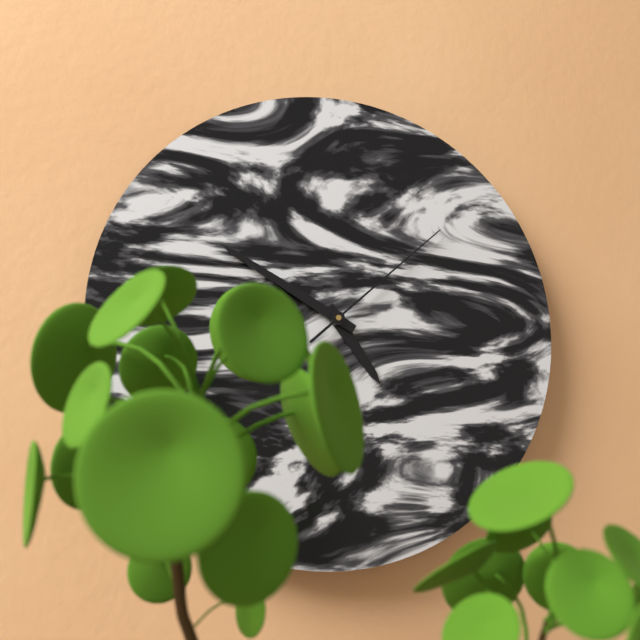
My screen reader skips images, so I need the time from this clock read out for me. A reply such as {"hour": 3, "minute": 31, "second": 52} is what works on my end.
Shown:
{"hour": 4, "minute": 50, "second": 8}
